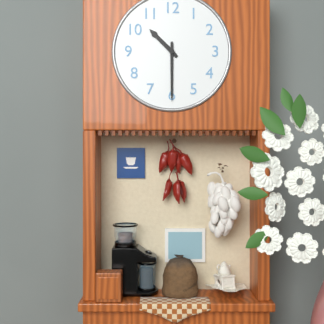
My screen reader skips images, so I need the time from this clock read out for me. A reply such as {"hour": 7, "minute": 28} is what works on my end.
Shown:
{"hour": 10, "minute": 30}
